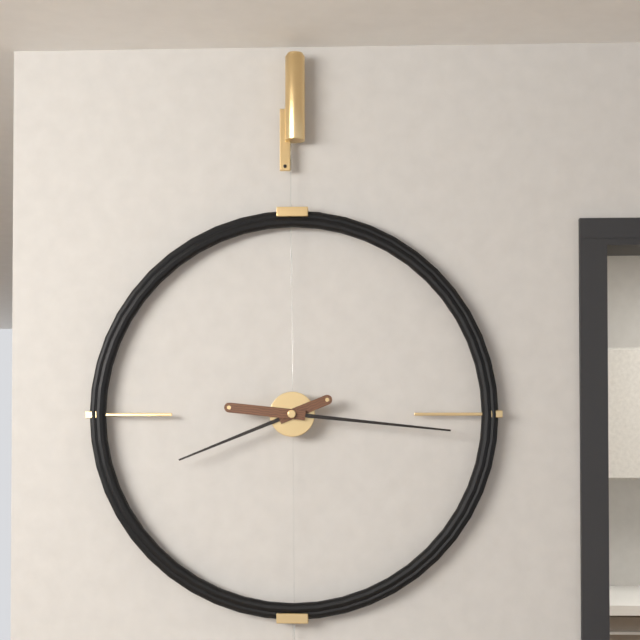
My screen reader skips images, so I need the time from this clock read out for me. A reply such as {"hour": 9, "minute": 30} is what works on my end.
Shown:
{"hour": 8, "minute": 16}
